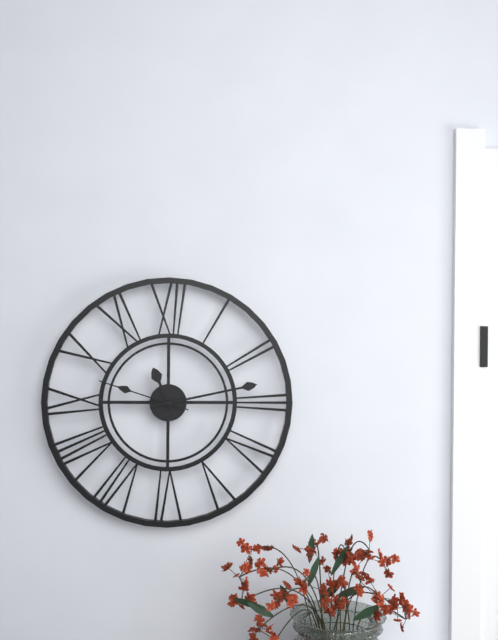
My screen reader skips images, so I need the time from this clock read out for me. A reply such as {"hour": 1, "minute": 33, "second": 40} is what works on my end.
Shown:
{"hour": 11, "minute": 13, "second": 48}
